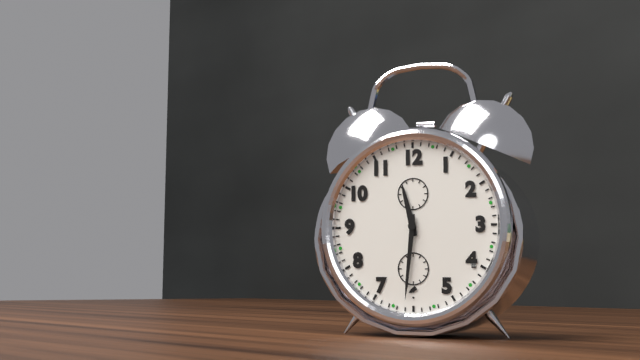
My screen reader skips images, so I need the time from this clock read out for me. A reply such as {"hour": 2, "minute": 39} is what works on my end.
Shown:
{"hour": 11, "minute": 31}
